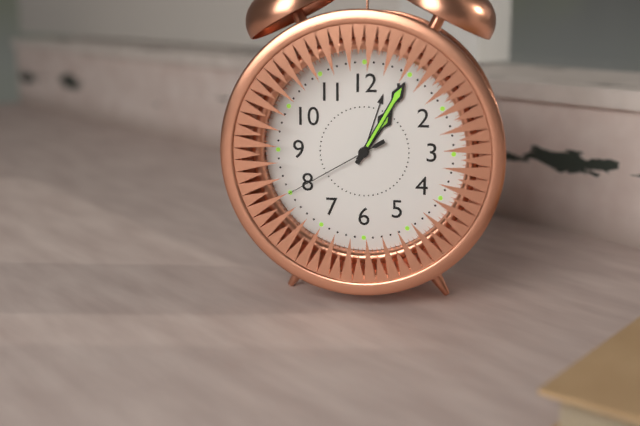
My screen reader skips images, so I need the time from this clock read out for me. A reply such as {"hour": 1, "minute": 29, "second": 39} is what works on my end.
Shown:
{"hour": 1, "minute": 5, "second": 40}
